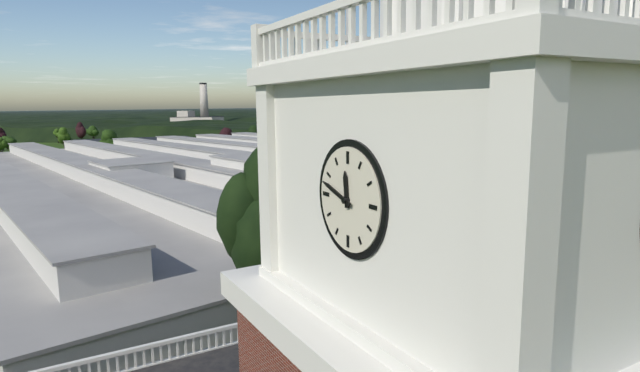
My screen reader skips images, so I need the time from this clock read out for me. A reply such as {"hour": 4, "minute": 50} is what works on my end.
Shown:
{"hour": 11, "minute": 48}
